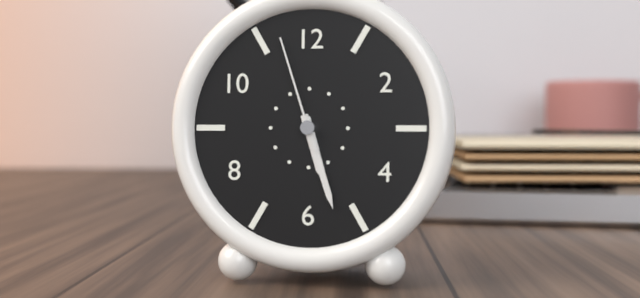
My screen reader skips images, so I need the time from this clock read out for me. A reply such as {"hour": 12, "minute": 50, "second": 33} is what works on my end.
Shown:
{"hour": 5, "minute": 27, "second": 57}
